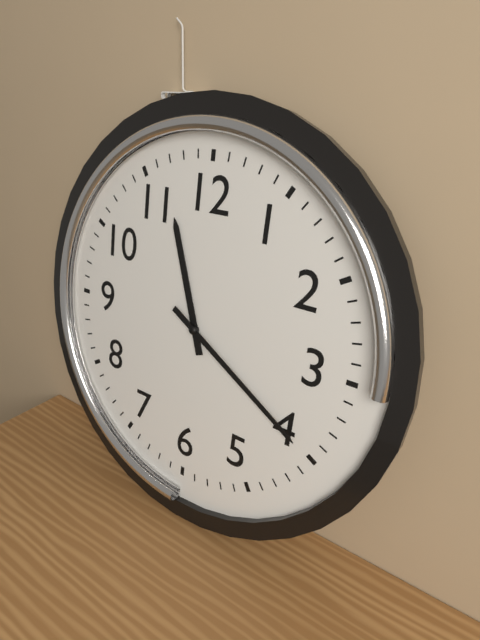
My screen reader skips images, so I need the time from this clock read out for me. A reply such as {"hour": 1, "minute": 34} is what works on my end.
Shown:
{"hour": 11, "minute": 20}
